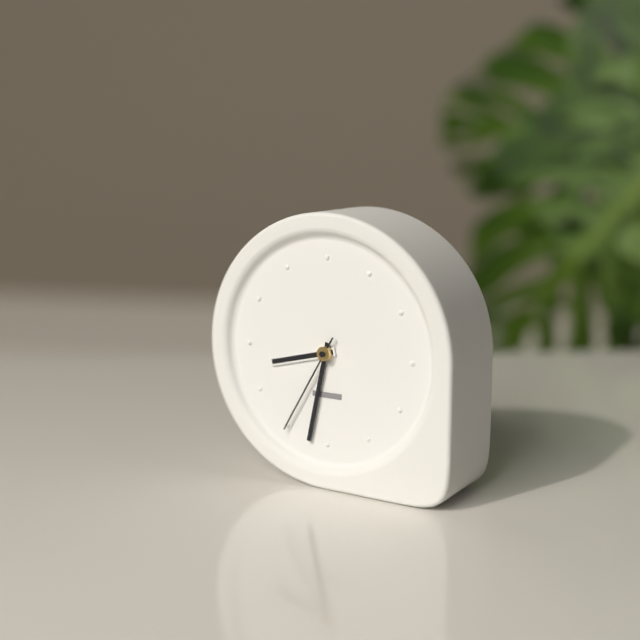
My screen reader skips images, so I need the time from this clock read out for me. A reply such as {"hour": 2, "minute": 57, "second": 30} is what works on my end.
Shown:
{"hour": 8, "minute": 32, "second": 35}
